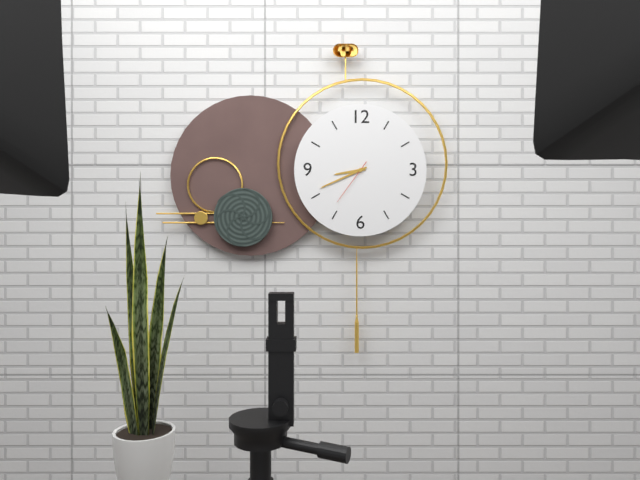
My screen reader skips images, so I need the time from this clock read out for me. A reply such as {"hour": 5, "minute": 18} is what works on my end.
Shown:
{"hour": 8, "minute": 41}
